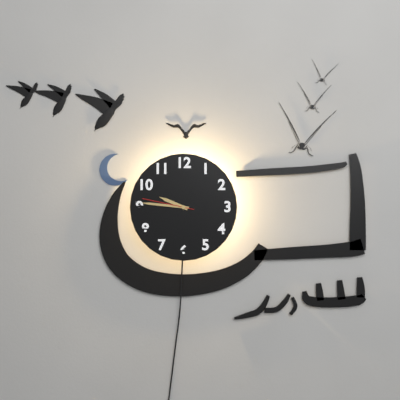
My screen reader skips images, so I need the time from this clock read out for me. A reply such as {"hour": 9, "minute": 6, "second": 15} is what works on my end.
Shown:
{"hour": 9, "minute": 46, "second": 47}
